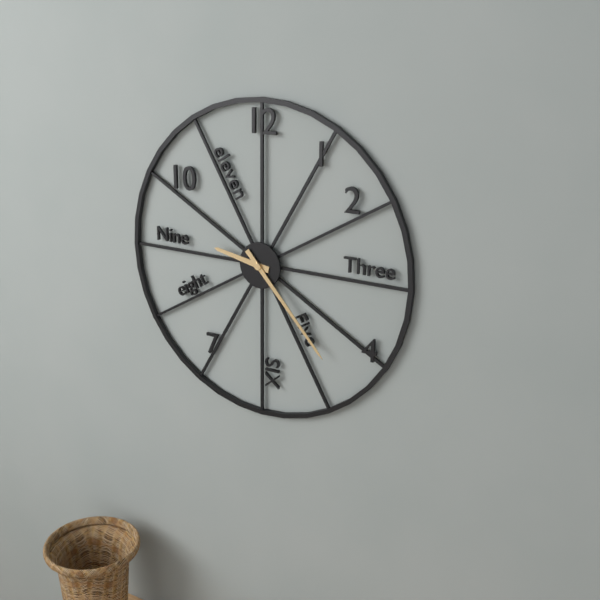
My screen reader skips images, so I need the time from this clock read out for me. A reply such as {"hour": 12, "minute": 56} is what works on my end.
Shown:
{"hour": 9, "minute": 23}
